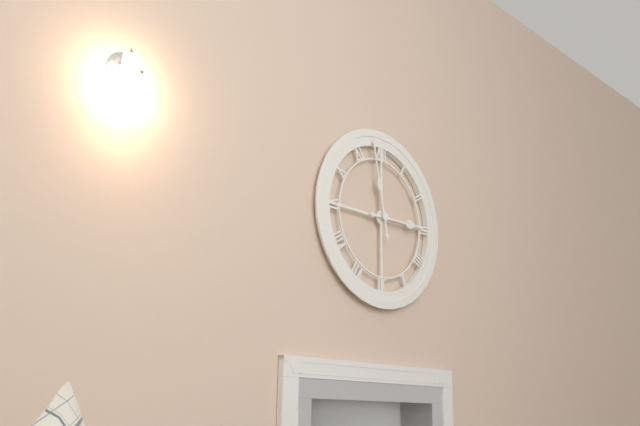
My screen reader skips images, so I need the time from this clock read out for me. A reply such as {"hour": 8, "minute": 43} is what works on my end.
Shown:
{"hour": 2, "minute": 58}
